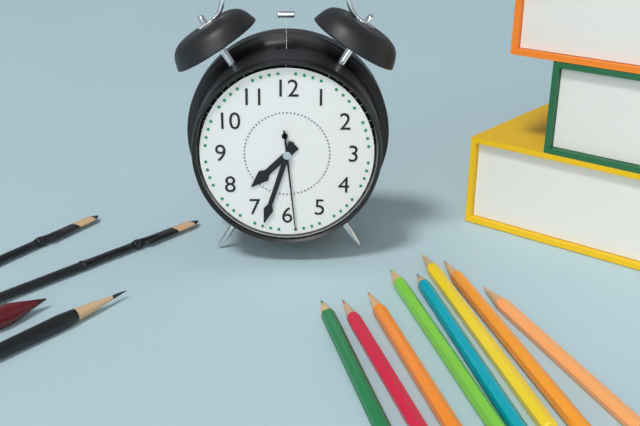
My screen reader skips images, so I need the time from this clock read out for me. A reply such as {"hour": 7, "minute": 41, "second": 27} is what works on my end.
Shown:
{"hour": 7, "minute": 33, "second": 29}
